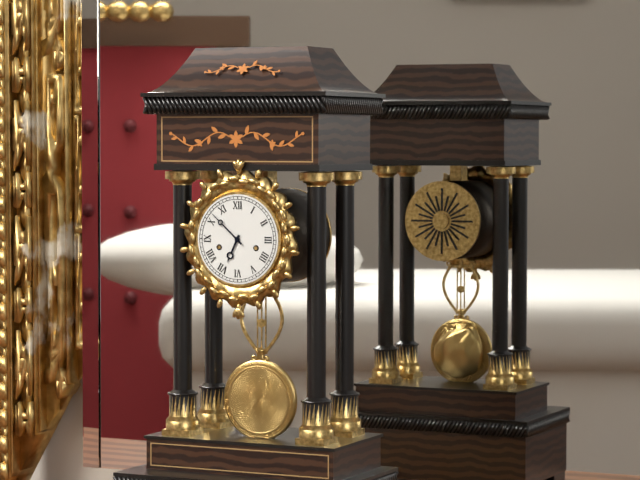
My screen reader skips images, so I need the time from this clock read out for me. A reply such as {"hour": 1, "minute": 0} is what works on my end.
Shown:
{"hour": 6, "minute": 52}
